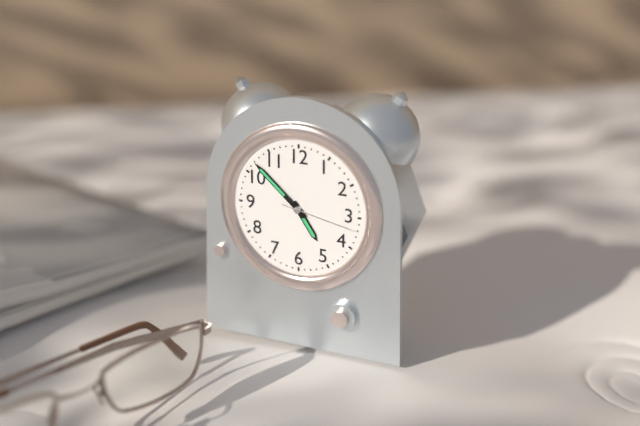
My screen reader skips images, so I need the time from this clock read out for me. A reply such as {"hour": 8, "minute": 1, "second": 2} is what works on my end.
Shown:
{"hour": 4, "minute": 52, "second": 17}
